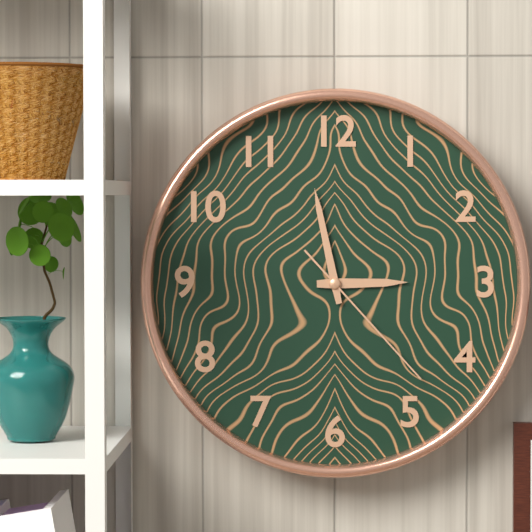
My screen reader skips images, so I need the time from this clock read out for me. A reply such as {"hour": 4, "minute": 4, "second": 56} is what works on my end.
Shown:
{"hour": 2, "minute": 58, "second": 23}
